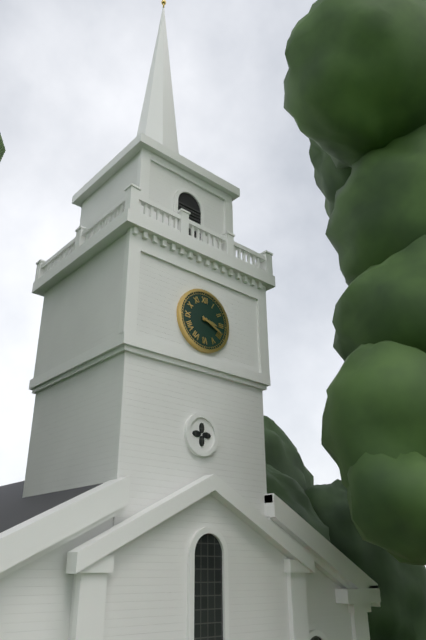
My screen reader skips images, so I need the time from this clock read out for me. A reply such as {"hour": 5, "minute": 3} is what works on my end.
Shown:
{"hour": 3, "minute": 19}
